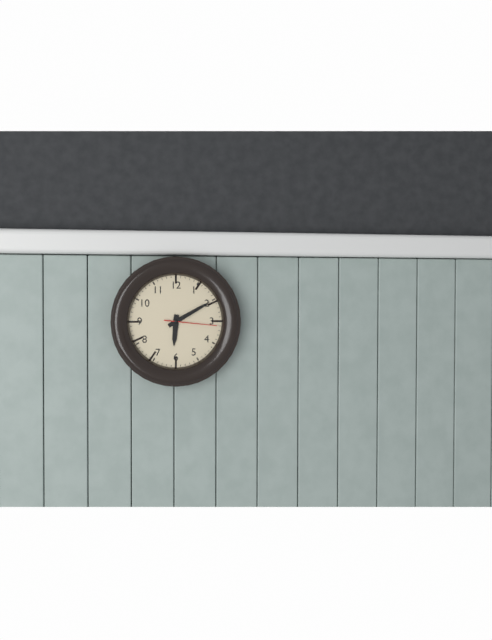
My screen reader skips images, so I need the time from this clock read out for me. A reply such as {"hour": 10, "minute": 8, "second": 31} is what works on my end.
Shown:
{"hour": 6, "minute": 10, "second": 16}
